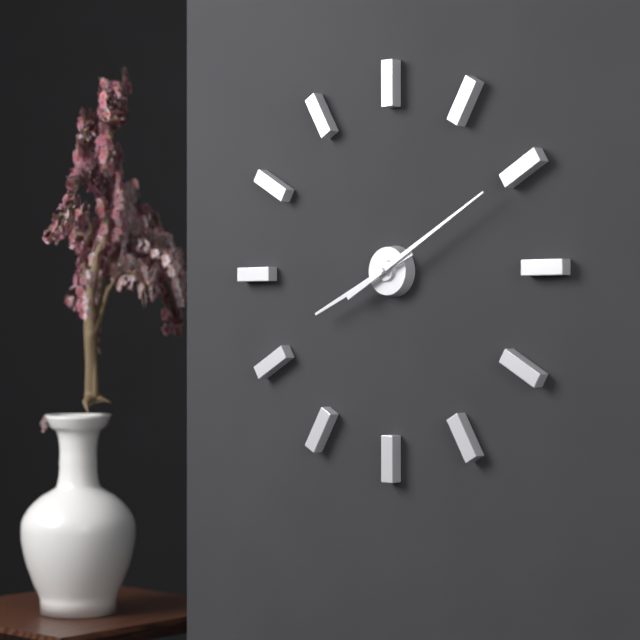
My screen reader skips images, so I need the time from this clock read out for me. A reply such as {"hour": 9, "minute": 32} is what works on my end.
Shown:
{"hour": 8, "minute": 10}
